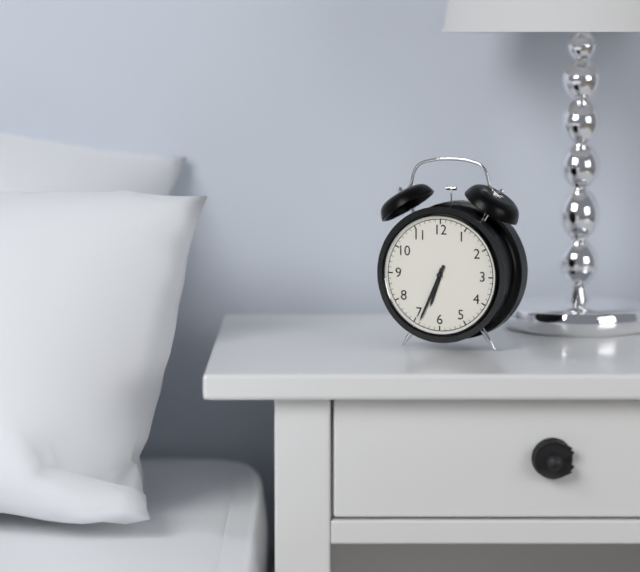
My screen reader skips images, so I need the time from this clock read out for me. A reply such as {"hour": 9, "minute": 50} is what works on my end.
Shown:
{"hour": 6, "minute": 34}
